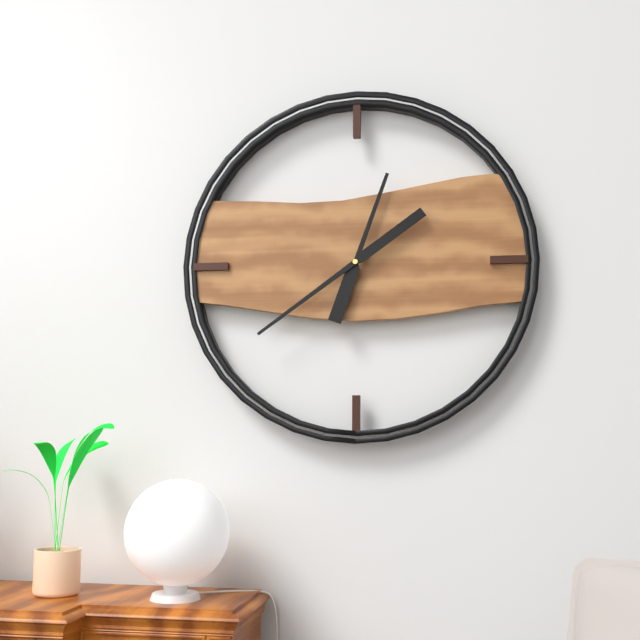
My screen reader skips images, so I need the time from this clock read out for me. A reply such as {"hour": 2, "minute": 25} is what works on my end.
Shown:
{"hour": 12, "minute": 39}
